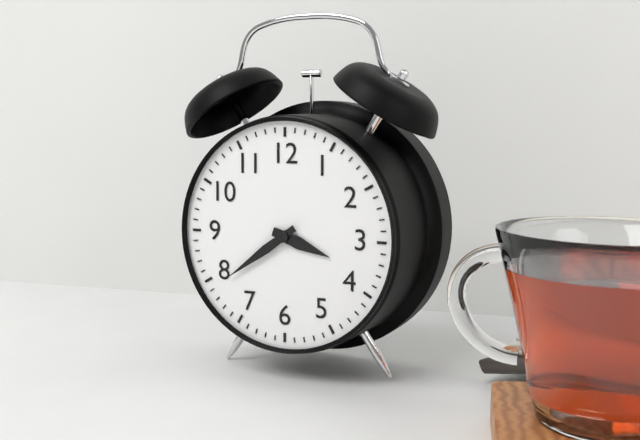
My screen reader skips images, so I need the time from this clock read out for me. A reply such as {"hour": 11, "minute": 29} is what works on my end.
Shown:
{"hour": 3, "minute": 39}
